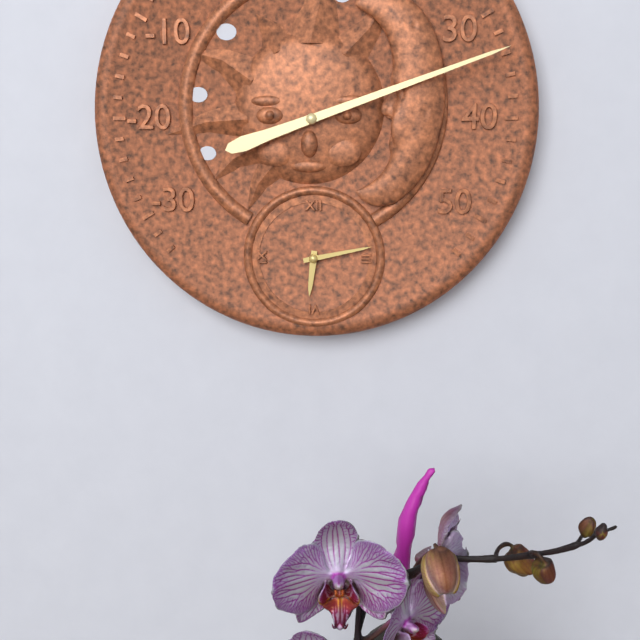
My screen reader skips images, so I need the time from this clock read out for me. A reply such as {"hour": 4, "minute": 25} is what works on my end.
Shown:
{"hour": 6, "minute": 13}
